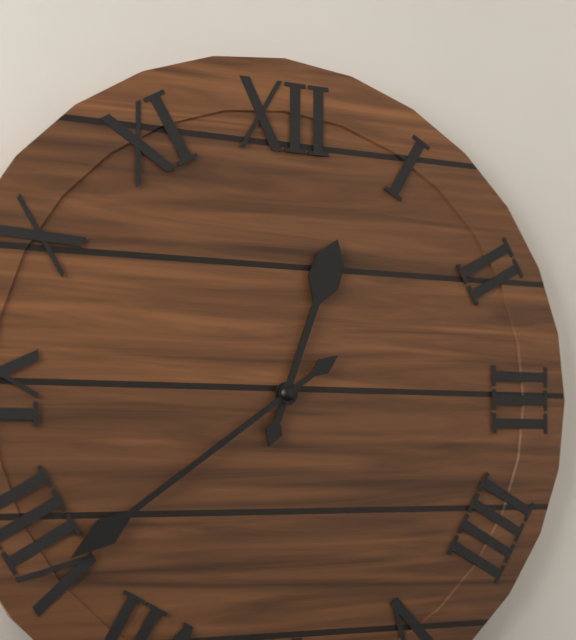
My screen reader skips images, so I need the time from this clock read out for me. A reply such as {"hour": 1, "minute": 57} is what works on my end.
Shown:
{"hour": 12, "minute": 39}
